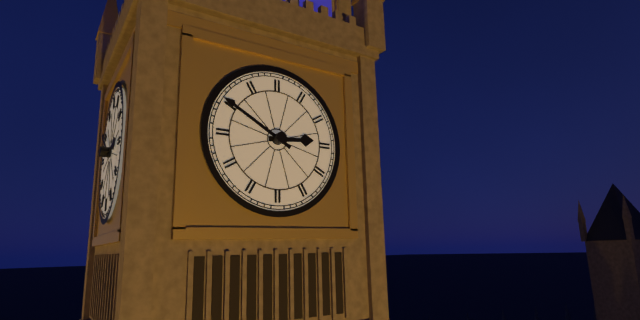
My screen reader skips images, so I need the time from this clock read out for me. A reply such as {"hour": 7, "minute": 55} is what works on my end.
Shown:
{"hour": 2, "minute": 50}
